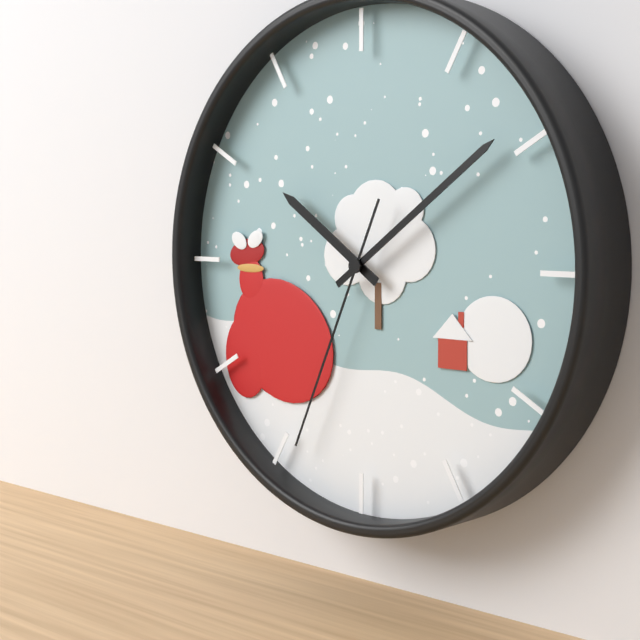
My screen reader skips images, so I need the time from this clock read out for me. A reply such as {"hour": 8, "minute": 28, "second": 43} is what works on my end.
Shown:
{"hour": 10, "minute": 9, "second": 34}
